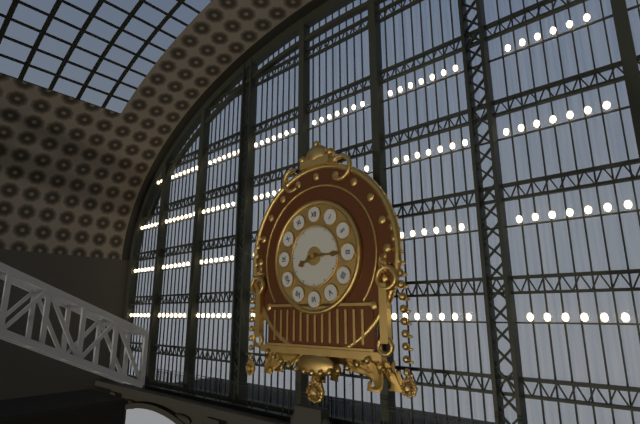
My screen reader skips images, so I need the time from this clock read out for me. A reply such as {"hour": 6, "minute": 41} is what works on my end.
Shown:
{"hour": 8, "minute": 15}
